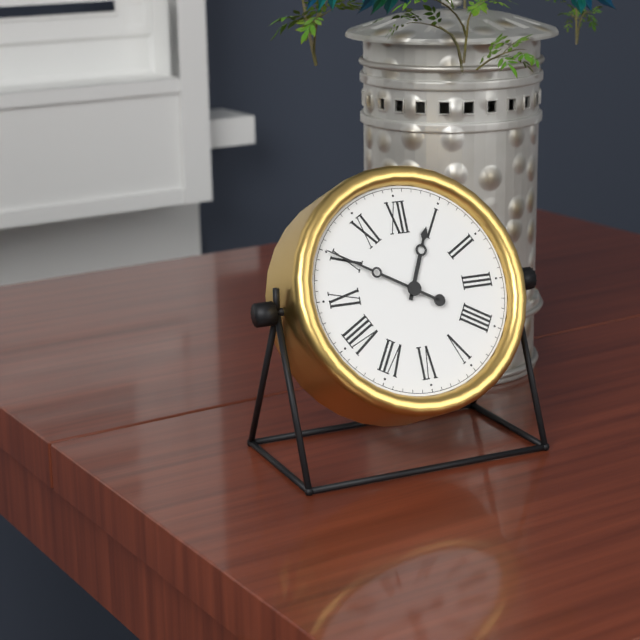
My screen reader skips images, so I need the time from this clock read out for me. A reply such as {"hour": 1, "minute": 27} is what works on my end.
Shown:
{"hour": 12, "minute": 50}
